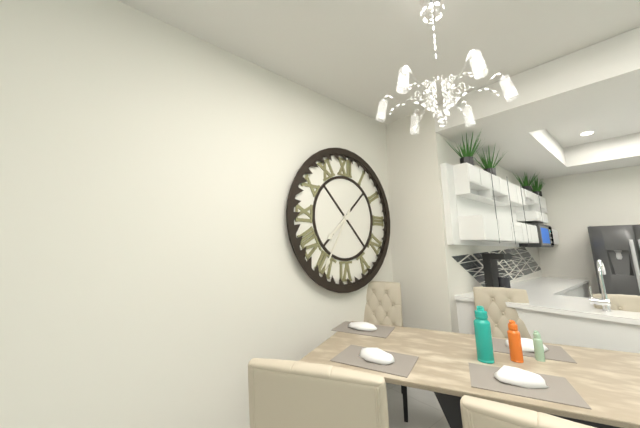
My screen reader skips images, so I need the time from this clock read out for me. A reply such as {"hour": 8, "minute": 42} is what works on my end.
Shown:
{"hour": 7, "minute": 35}
